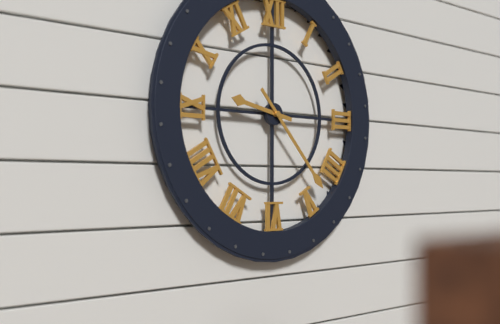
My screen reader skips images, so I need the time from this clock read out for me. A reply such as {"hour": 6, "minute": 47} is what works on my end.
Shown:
{"hour": 9, "minute": 23}
